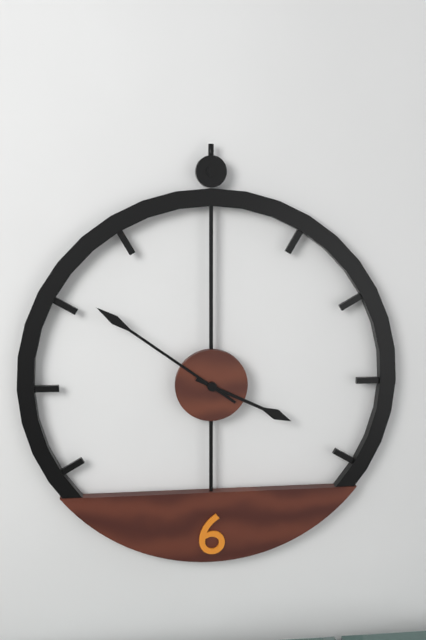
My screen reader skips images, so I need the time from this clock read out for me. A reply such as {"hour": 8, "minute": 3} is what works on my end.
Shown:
{"hour": 3, "minute": 51}
